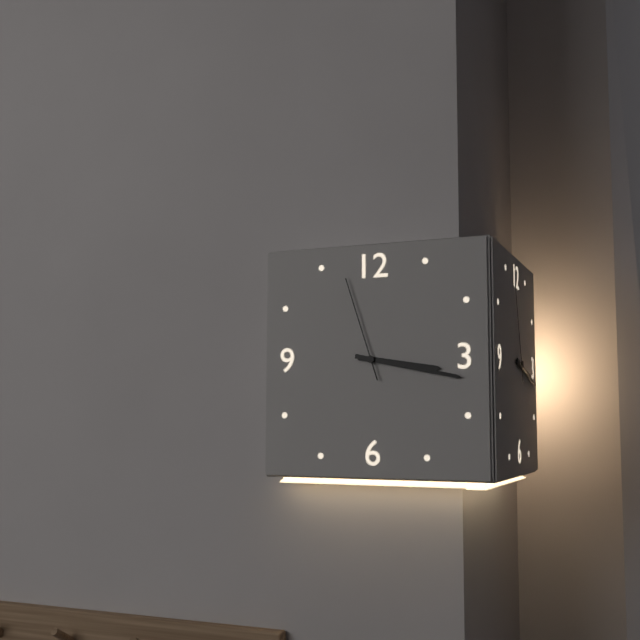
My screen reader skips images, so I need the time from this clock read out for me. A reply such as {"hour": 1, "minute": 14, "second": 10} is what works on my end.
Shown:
{"hour": 3, "minute": 17, "second": 57}
